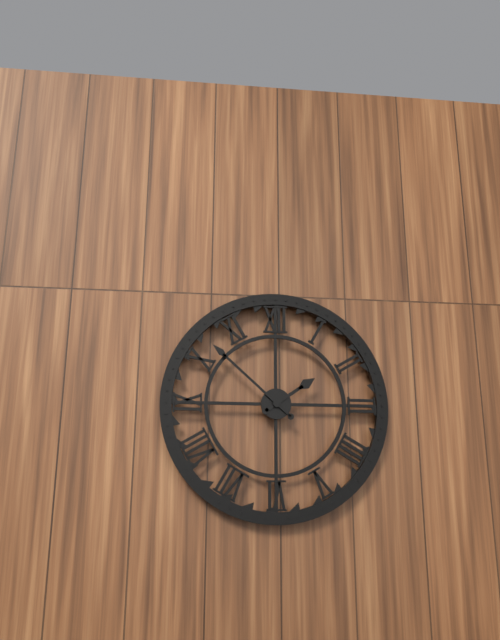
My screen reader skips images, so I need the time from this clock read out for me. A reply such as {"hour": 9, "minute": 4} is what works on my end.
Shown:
{"hour": 1, "minute": 52}
